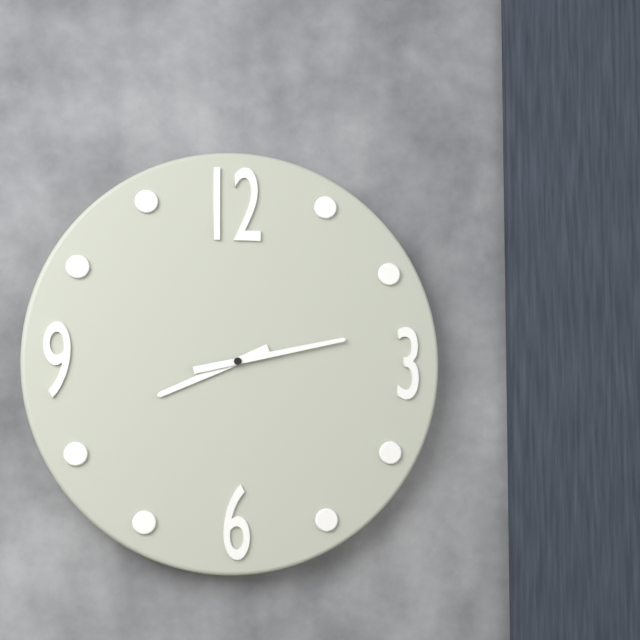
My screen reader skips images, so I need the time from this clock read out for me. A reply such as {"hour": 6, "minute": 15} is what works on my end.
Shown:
{"hour": 8, "minute": 13}
